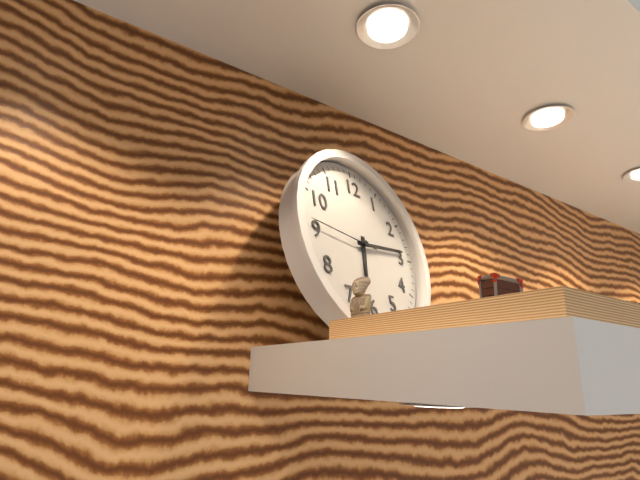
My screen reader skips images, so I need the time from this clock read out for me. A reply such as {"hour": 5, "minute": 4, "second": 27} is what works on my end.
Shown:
{"hour": 6, "minute": 14, "second": 46}
